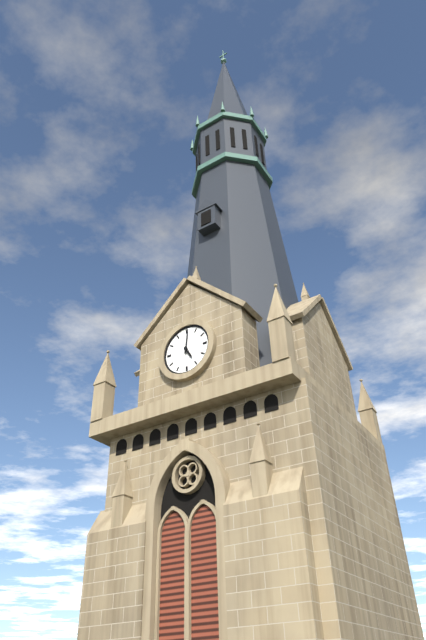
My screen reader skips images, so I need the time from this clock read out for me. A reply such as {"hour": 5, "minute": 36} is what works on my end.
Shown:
{"hour": 5, "minute": 1}
